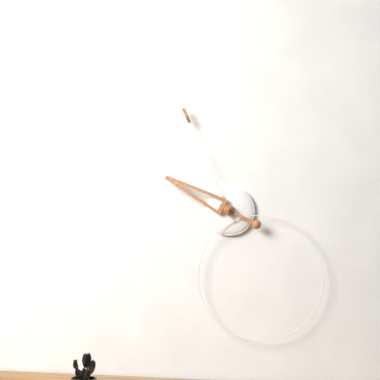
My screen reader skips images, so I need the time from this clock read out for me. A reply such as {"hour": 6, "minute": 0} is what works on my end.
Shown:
{"hour": 9, "minute": 56}
